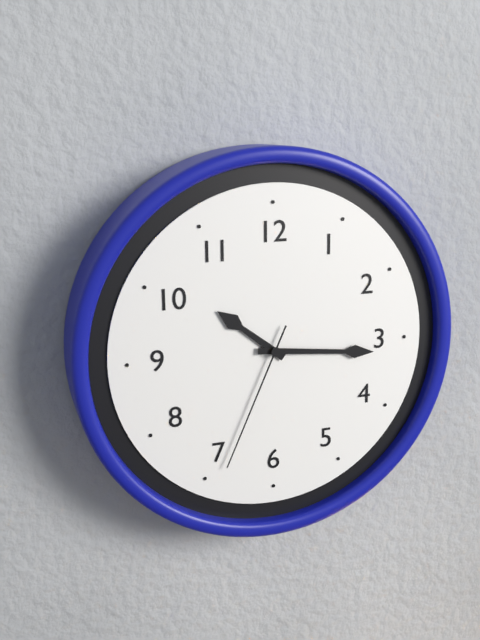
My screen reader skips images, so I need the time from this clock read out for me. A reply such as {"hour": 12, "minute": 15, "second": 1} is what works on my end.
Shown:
{"hour": 10, "minute": 16, "second": 34}
